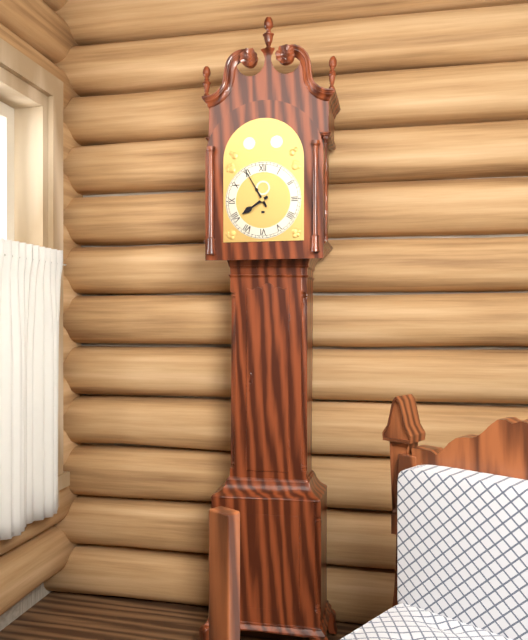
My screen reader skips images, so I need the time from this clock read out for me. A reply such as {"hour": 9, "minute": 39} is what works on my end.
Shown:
{"hour": 7, "minute": 55}
